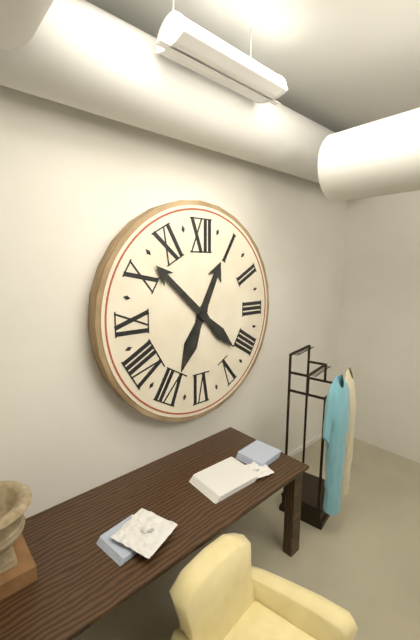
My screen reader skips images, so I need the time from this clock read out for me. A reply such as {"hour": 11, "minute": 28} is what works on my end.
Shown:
{"hour": 12, "minute": 52}
